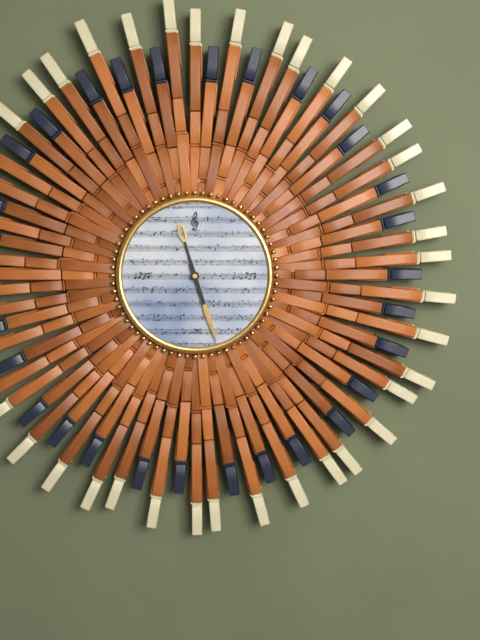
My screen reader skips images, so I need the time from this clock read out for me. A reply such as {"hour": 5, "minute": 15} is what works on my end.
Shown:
{"hour": 11, "minute": 27}
